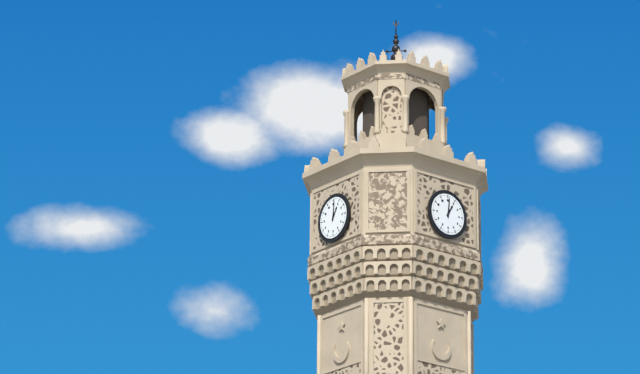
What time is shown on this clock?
1:01
